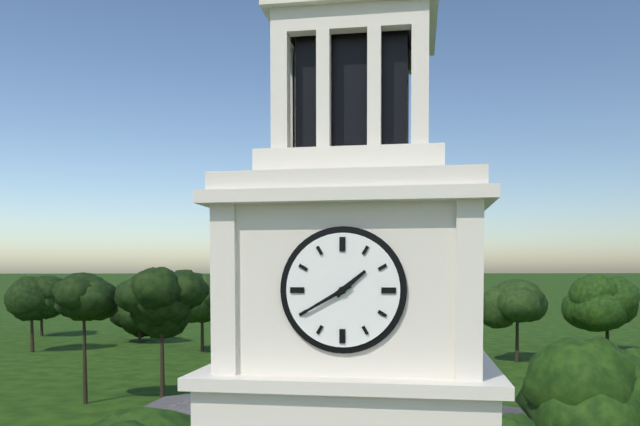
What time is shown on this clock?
1:40
